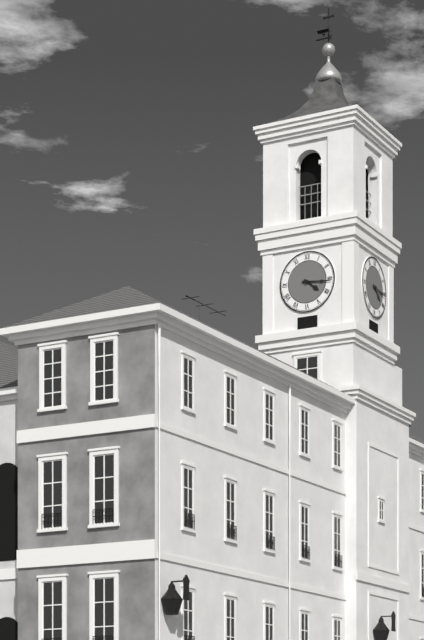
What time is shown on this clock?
4:16
